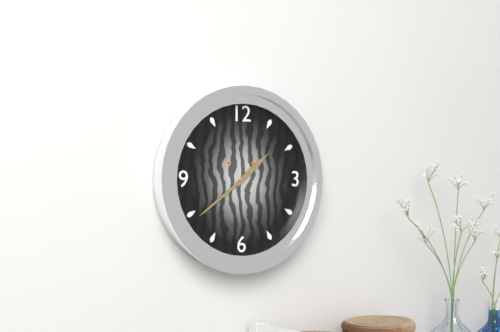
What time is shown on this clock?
1:39
